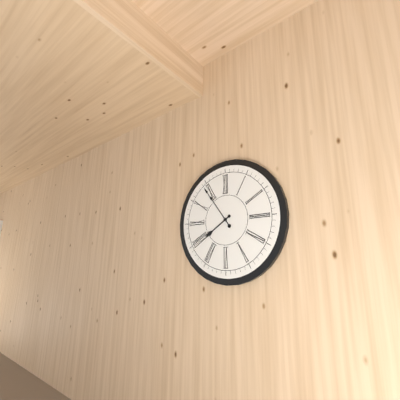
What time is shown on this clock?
7:54
